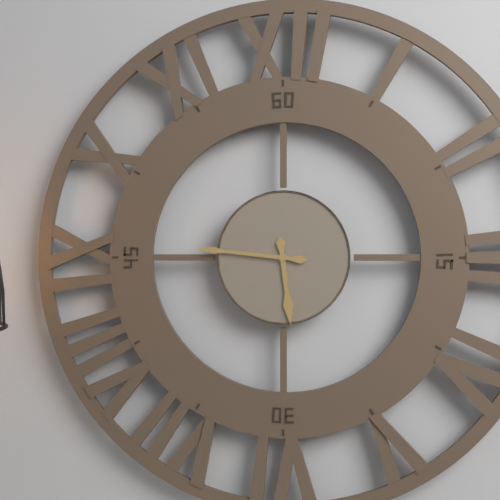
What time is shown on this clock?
5:46
